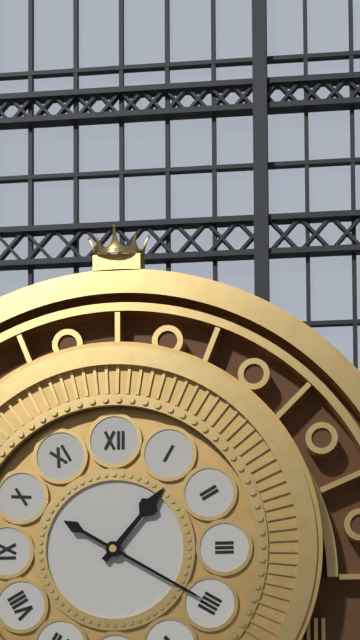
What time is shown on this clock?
1:20
